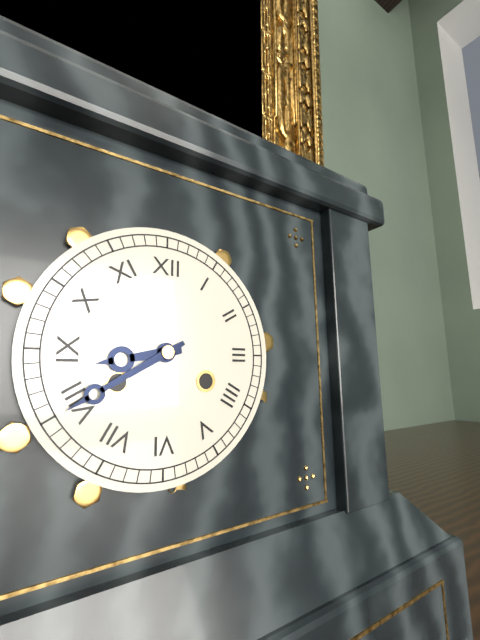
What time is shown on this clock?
8:40
